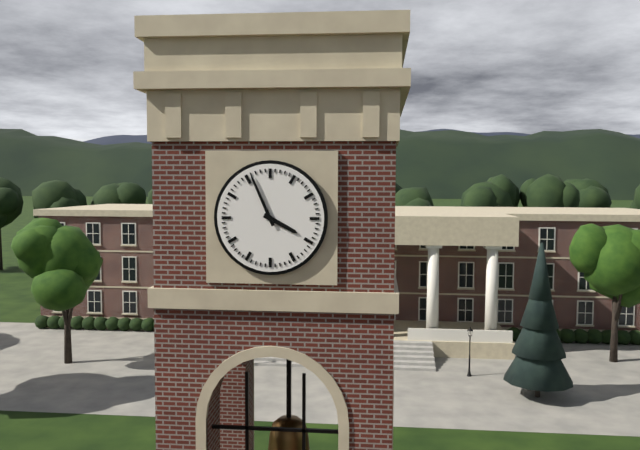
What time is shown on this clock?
3:56
